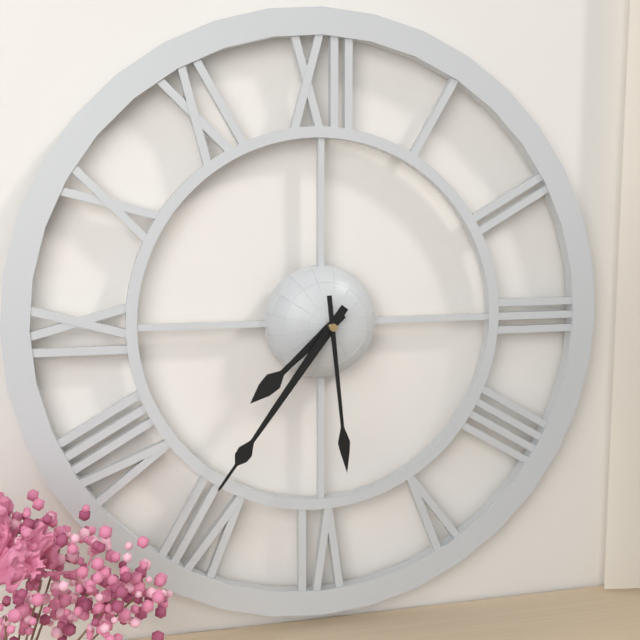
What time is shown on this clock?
7:36:29
